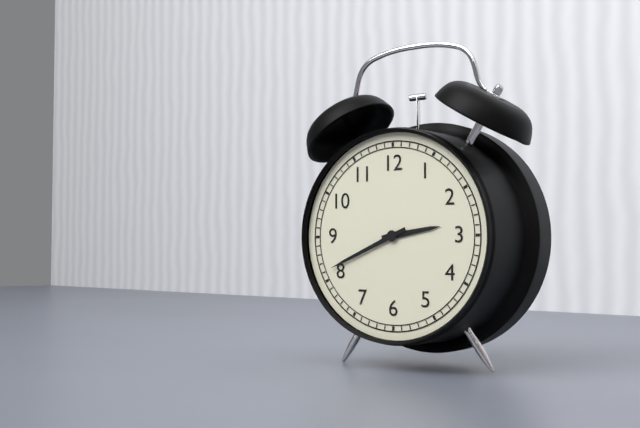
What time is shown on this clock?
2:41
